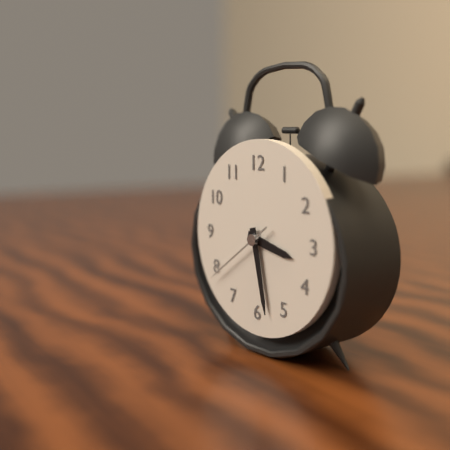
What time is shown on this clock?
3:28:39
